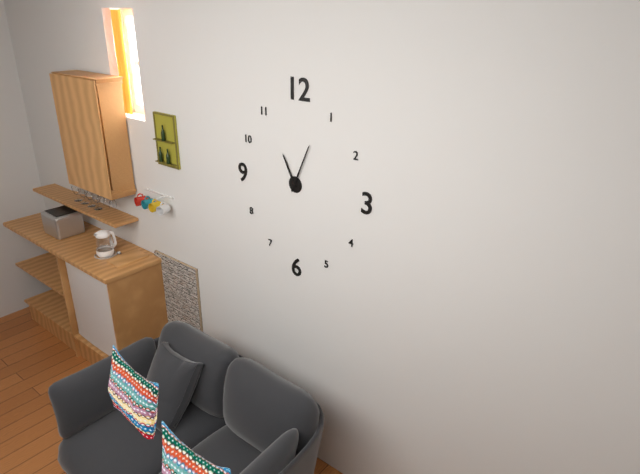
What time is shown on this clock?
11:04
